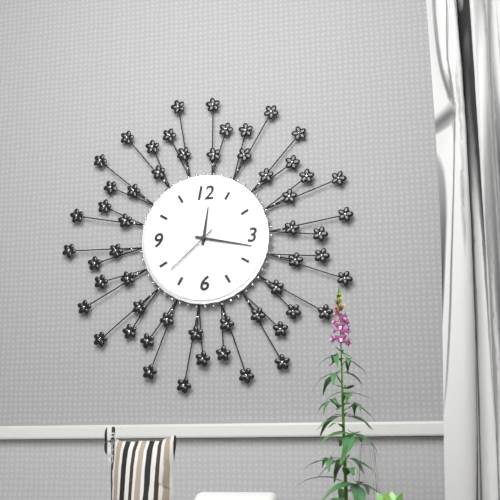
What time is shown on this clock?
12:17:38
